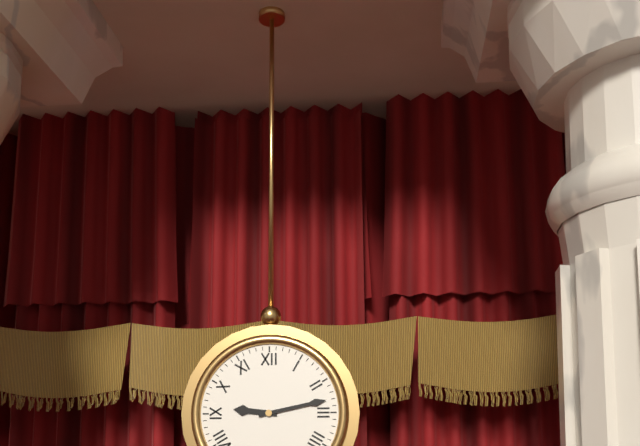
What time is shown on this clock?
9:13
